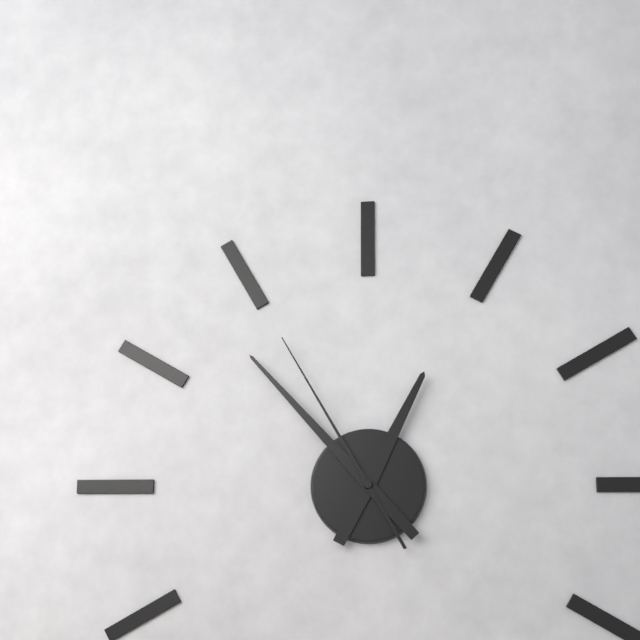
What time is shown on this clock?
12:53:55
